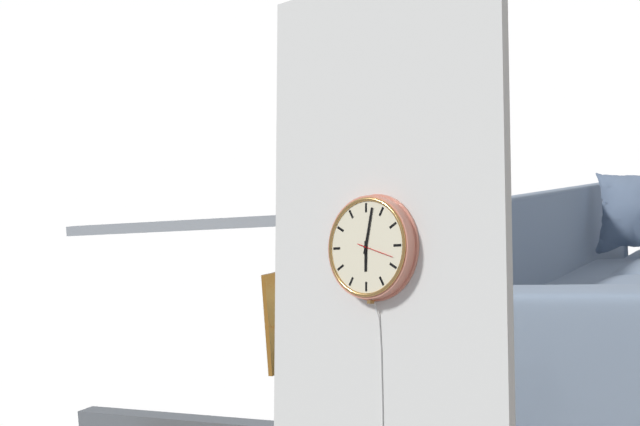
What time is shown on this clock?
6:02
